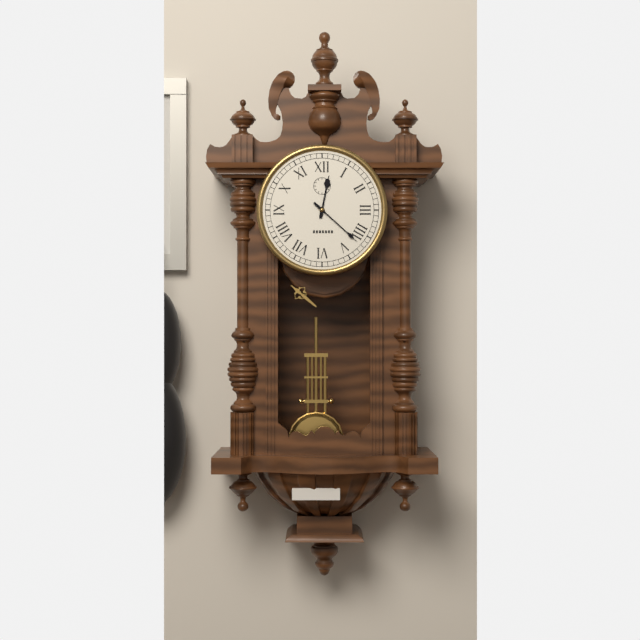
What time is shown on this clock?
12:22
